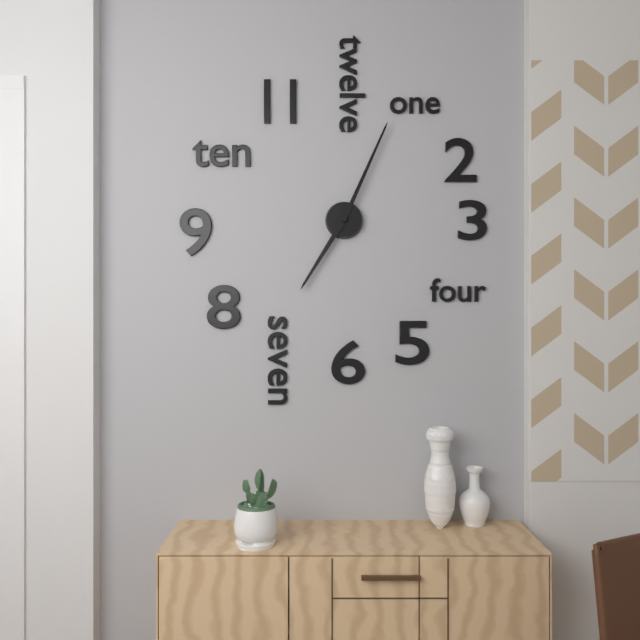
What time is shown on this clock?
7:04
